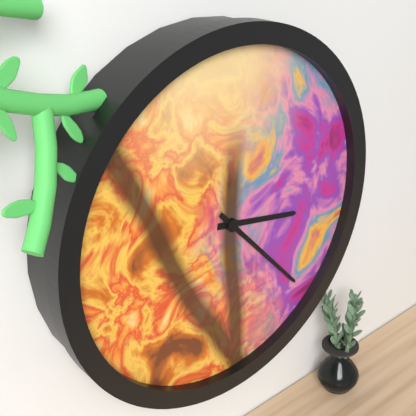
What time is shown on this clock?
3:23
